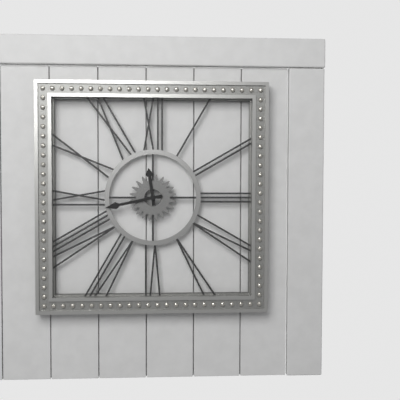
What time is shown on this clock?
11:43
